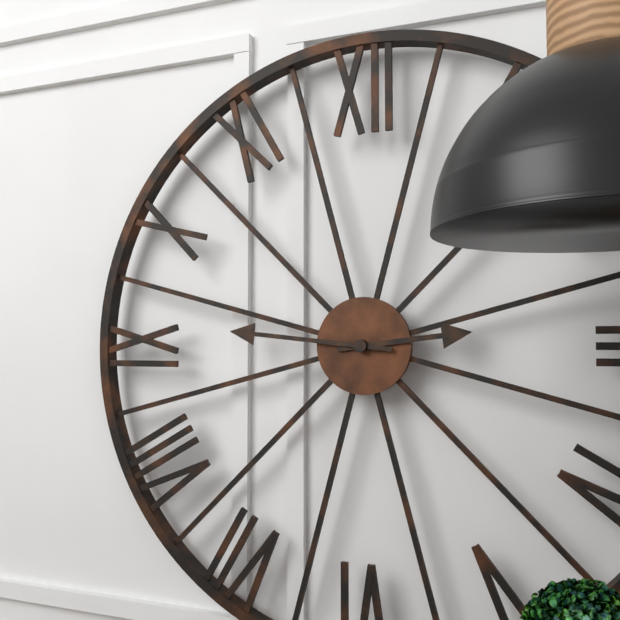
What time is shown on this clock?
2:46
